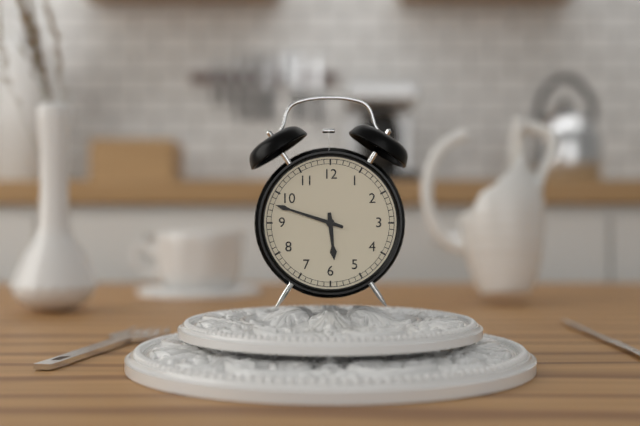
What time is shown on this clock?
5:48
